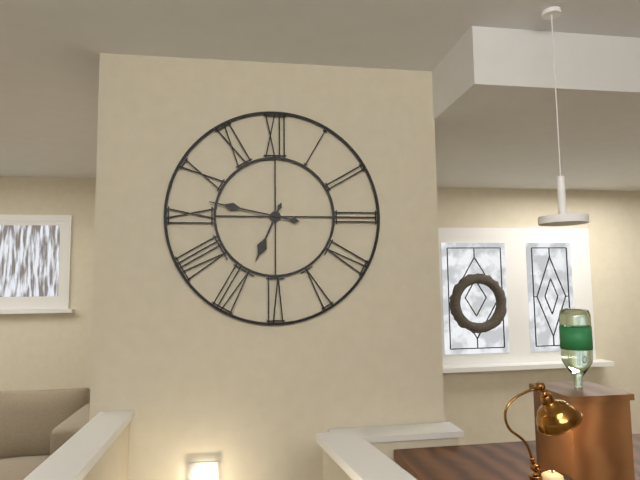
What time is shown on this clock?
6:47
